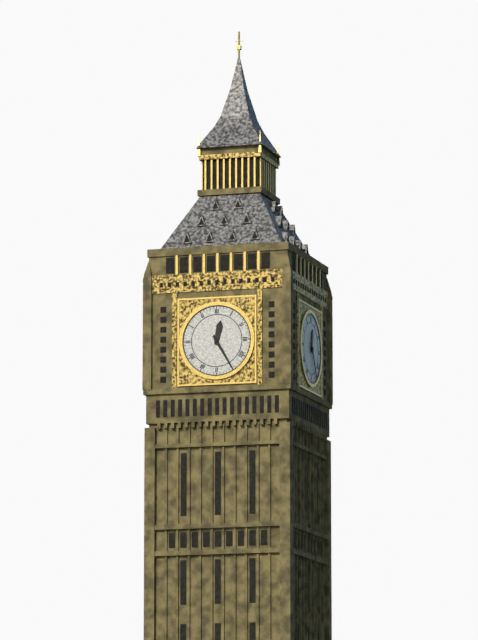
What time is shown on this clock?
12:25
